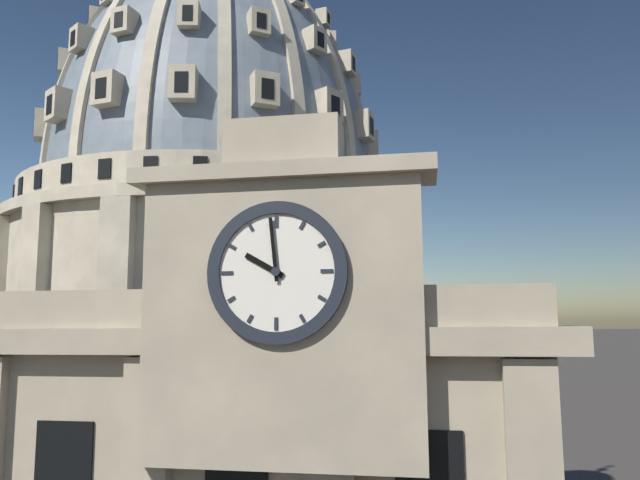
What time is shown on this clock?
9:59
